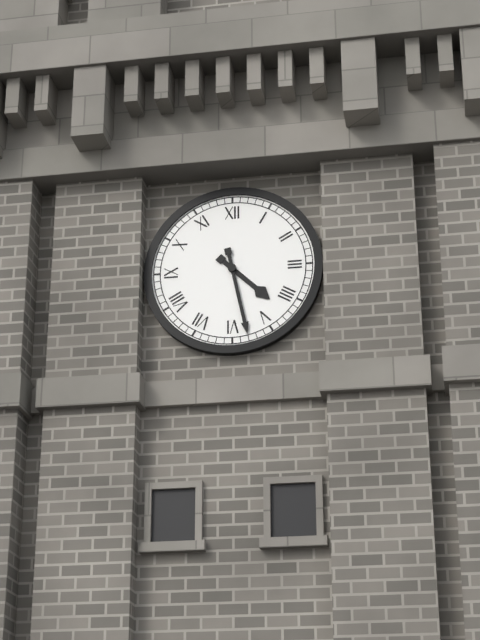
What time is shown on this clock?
4:28
